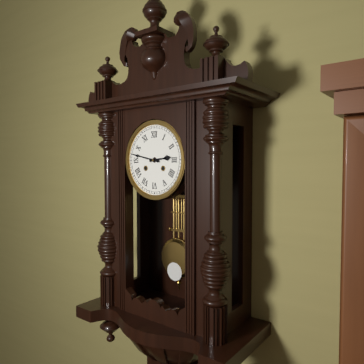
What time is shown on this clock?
2:47
